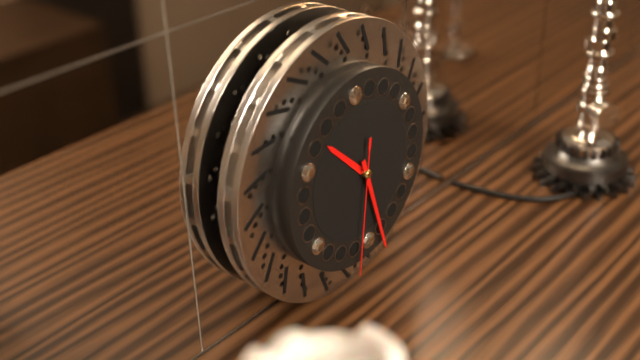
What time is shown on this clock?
10:27:31
